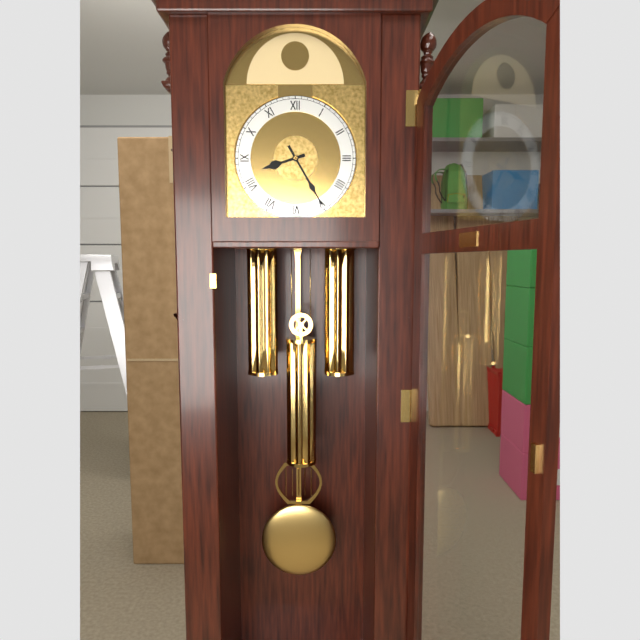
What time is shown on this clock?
8:25
